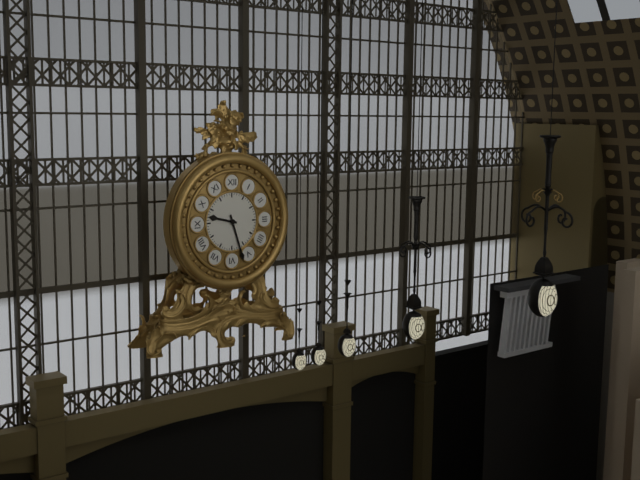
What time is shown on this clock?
9:27
